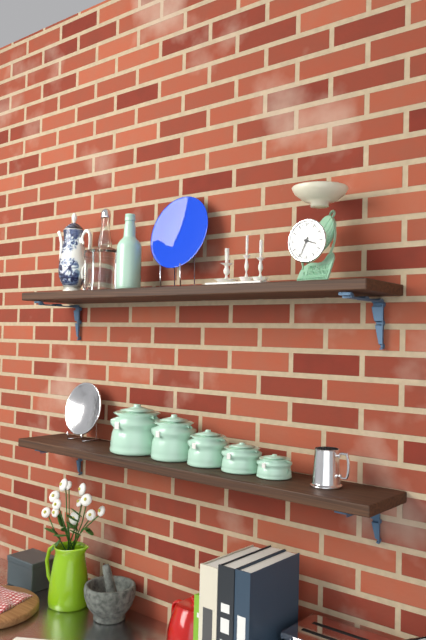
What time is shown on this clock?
3:34
